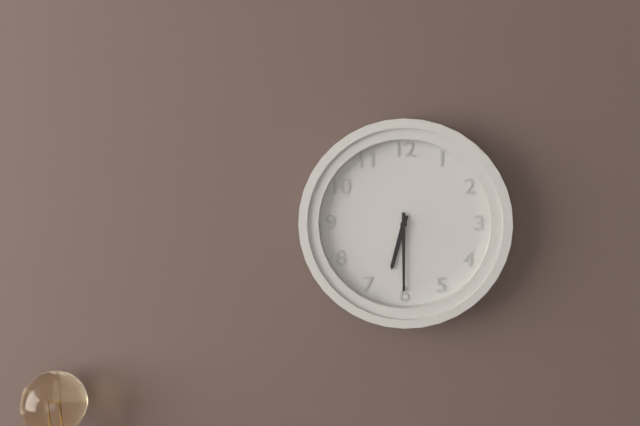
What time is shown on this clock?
6:30
